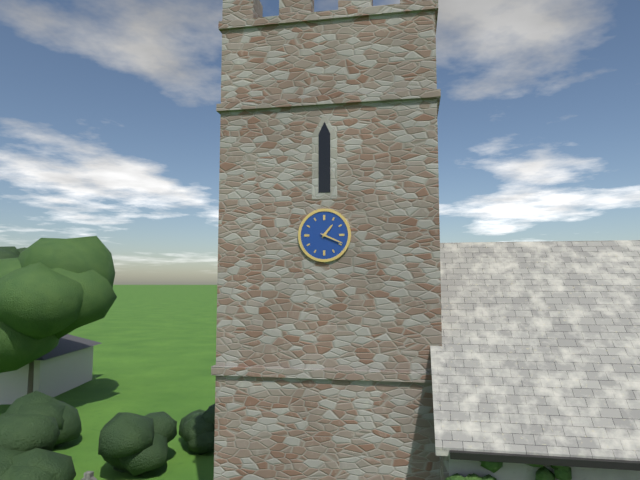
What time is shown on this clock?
1:19
